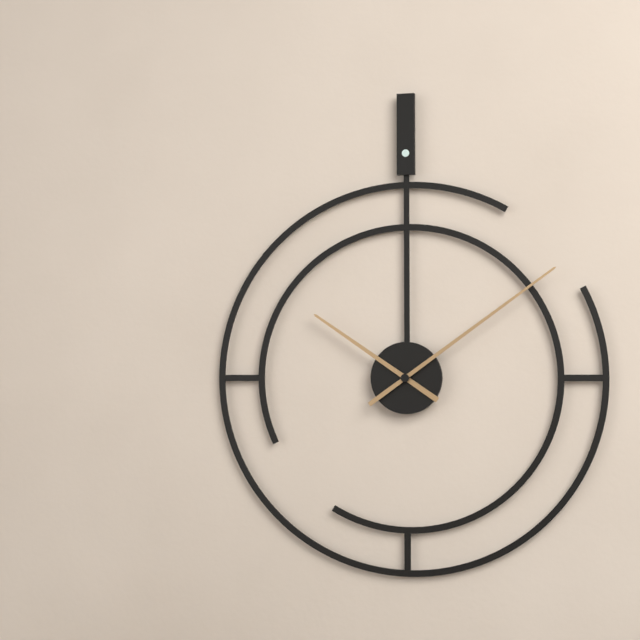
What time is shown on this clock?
10:09
